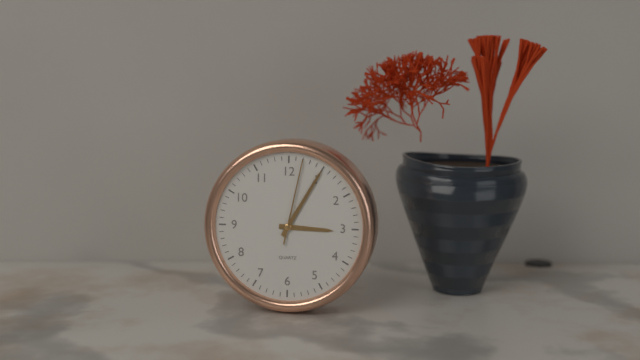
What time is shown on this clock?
3:05:02
